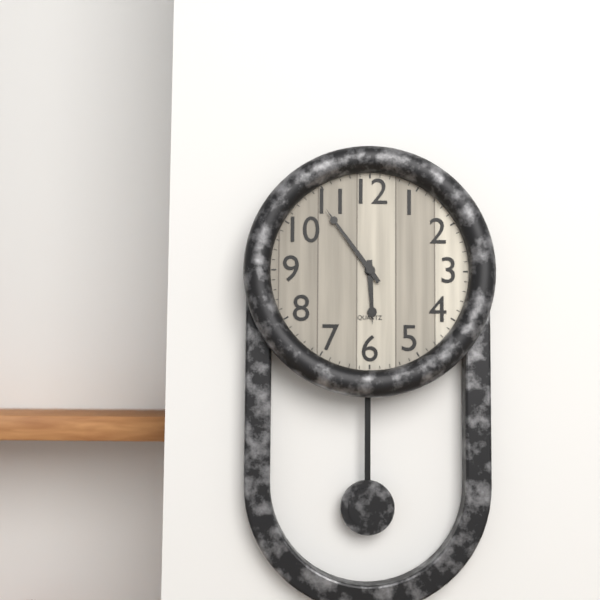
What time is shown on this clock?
5:54
